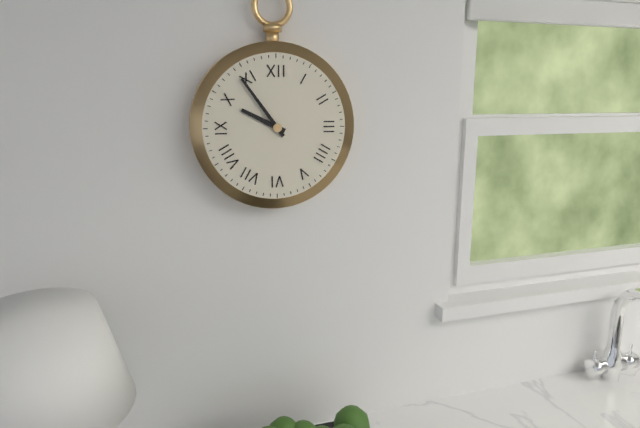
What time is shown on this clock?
9:54
